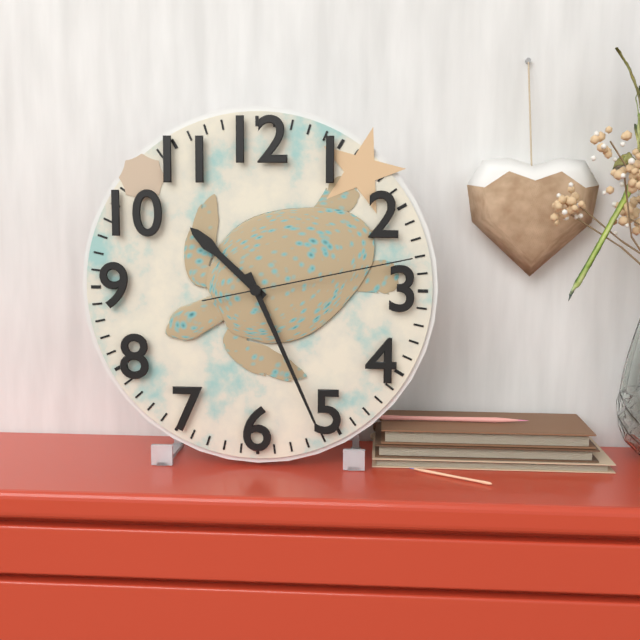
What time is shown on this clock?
10:26:13
